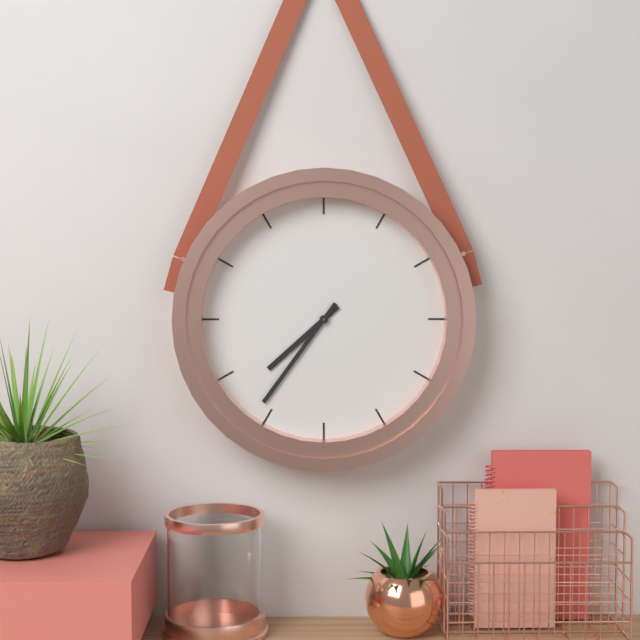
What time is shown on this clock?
7:36
